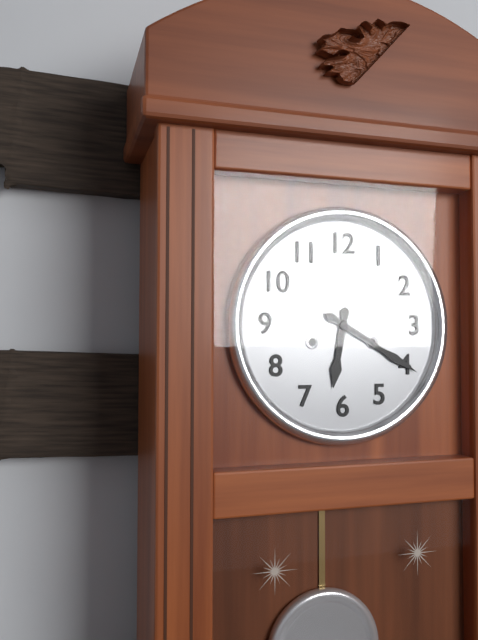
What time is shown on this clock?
6:20
